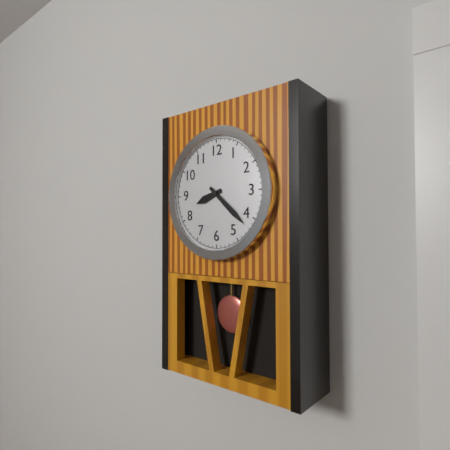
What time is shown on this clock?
8:22
